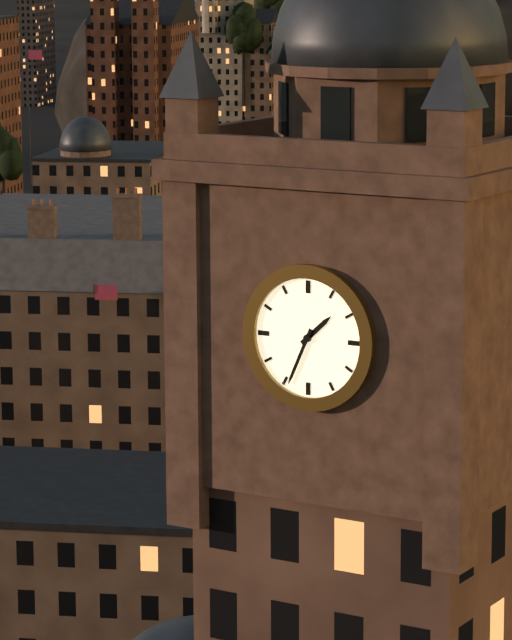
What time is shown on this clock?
1:34
